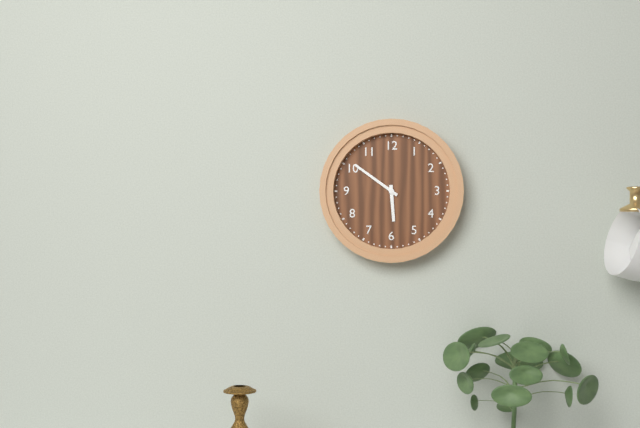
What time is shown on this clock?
5:51
